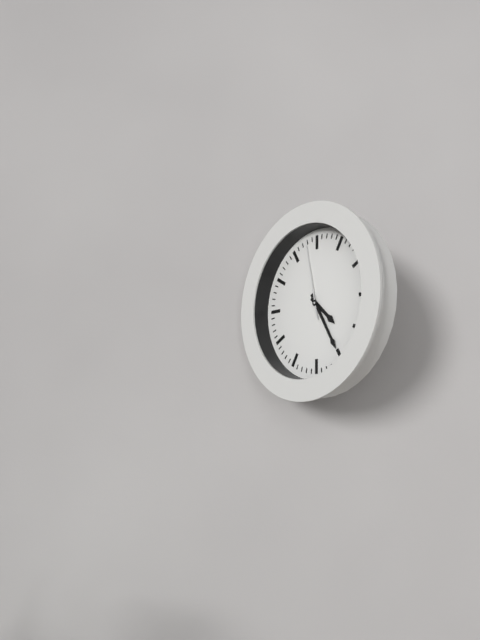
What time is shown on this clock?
4:25:58
